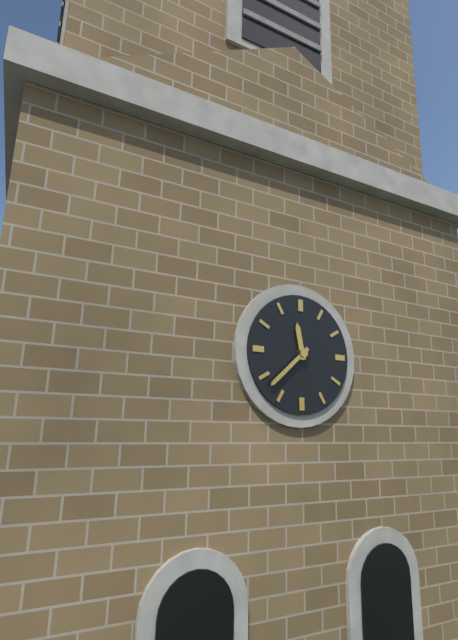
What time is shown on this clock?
11:38
